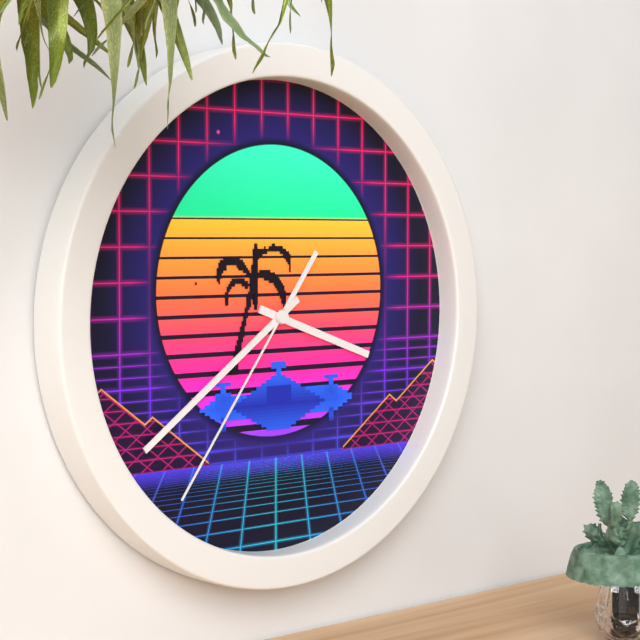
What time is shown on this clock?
3:39:36
